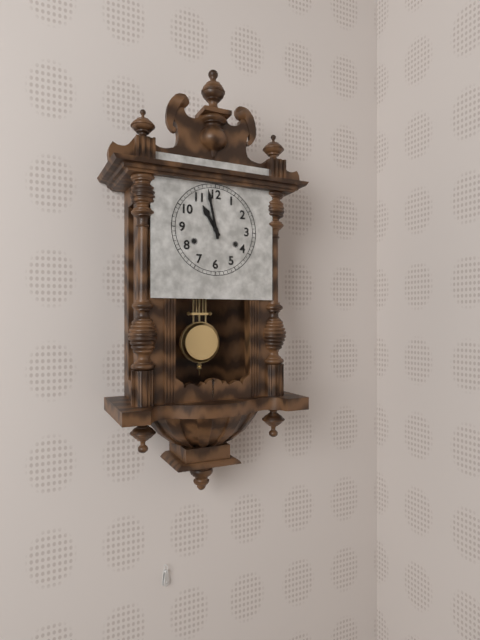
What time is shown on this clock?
10:58
